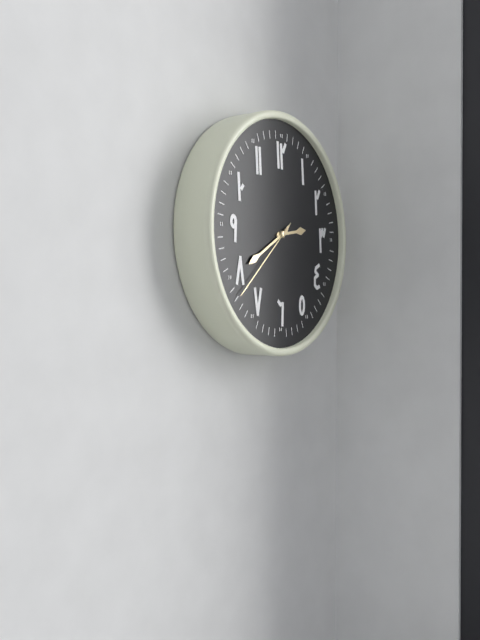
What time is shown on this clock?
2:40:38
